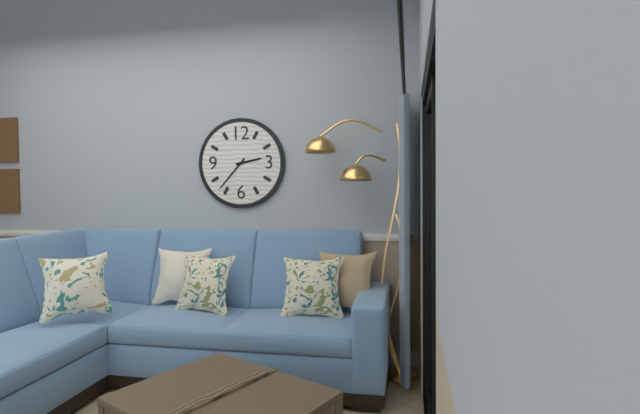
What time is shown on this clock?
2:37
